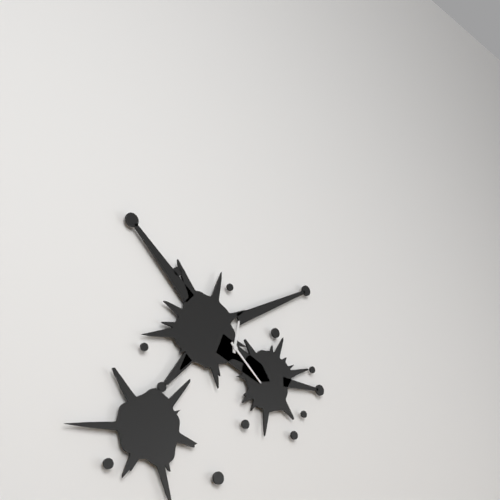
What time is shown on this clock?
12:22
